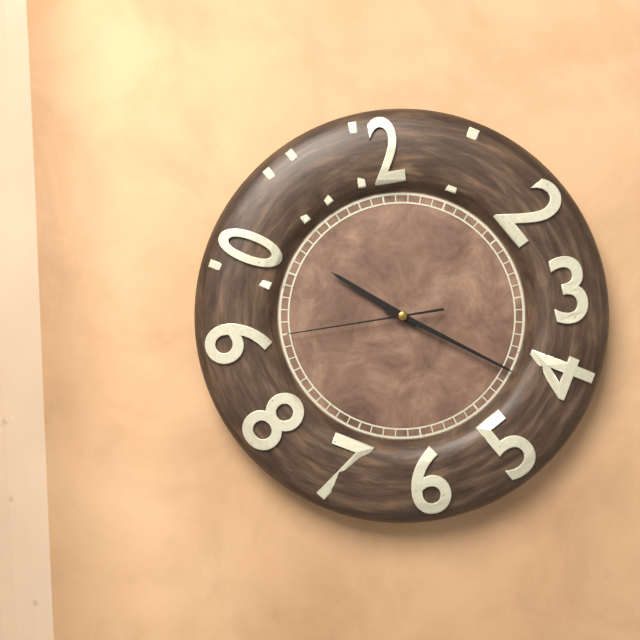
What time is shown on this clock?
10:21:45
